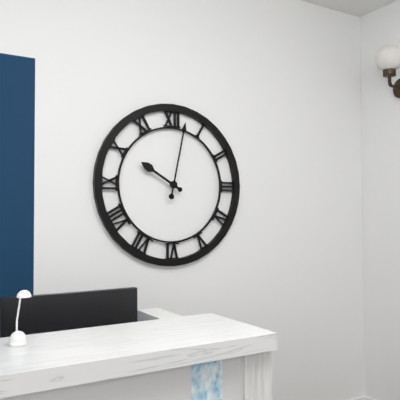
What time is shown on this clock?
10:02
